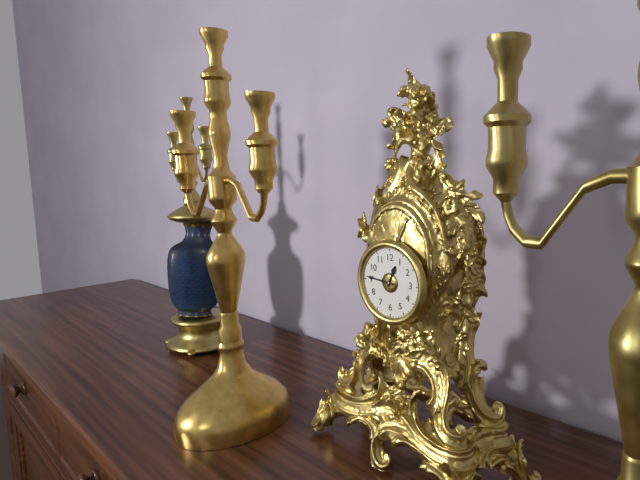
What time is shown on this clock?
12:46
